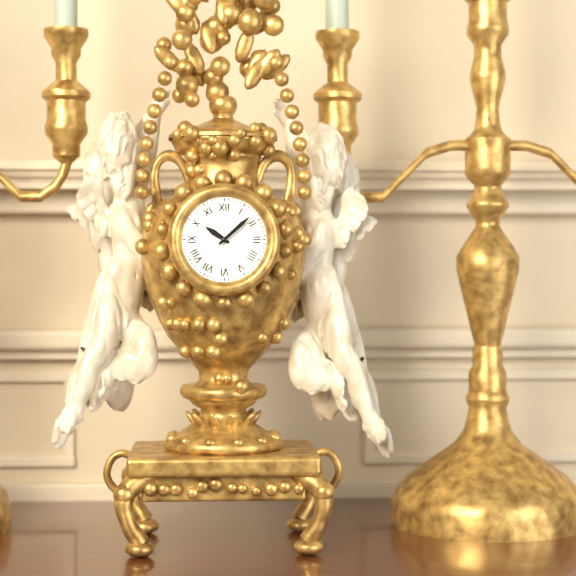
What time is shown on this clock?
10:08
